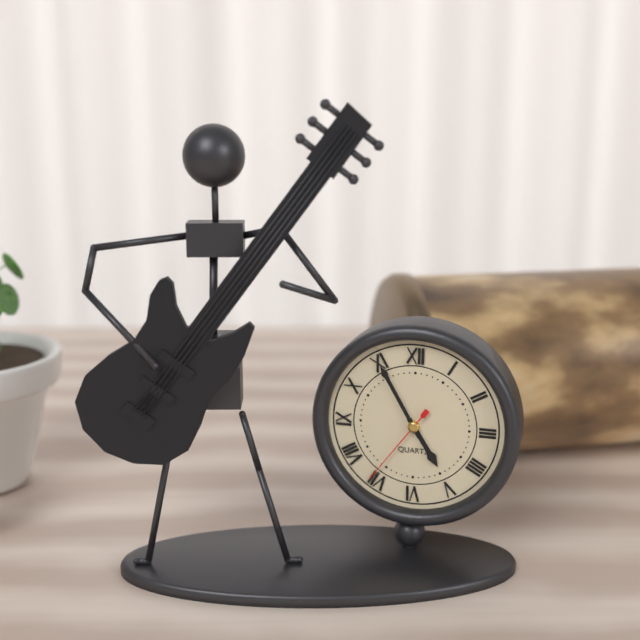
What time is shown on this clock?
4:55:36
